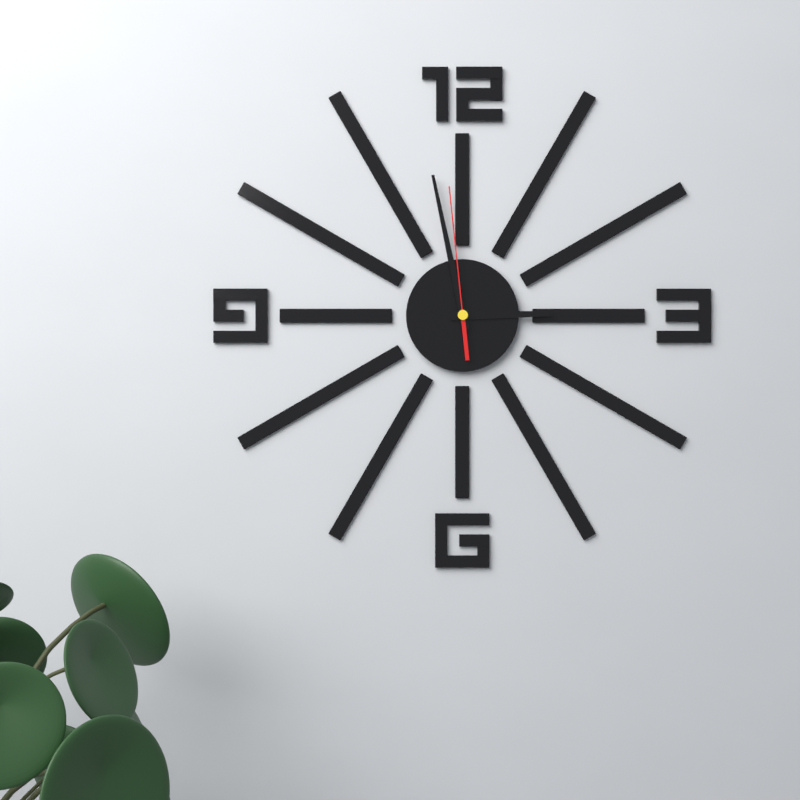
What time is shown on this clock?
2:58:59
